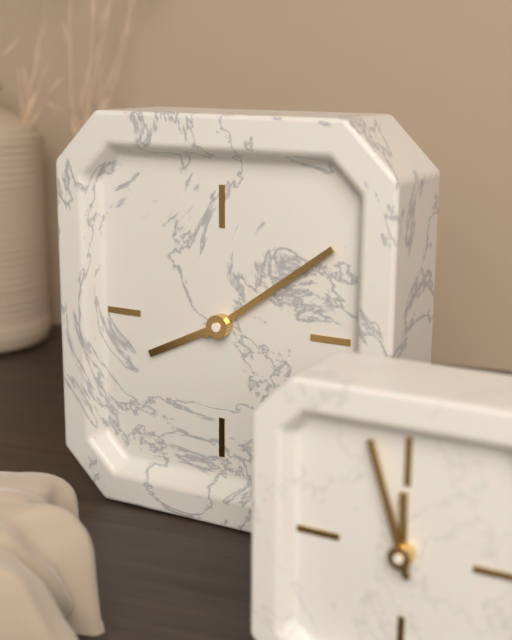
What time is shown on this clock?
8:09
